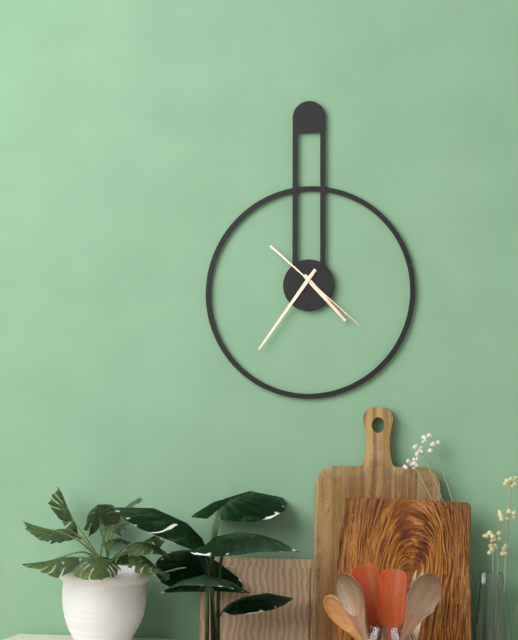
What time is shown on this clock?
4:36:22
